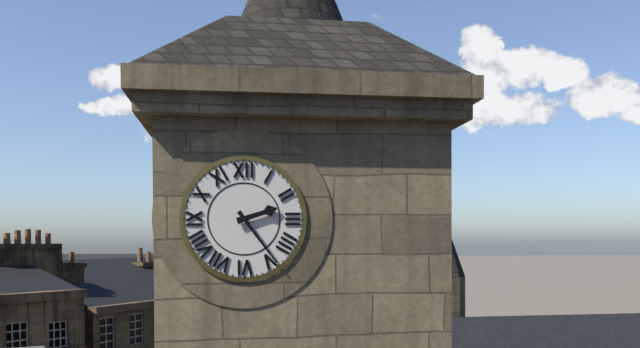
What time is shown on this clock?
2:24
